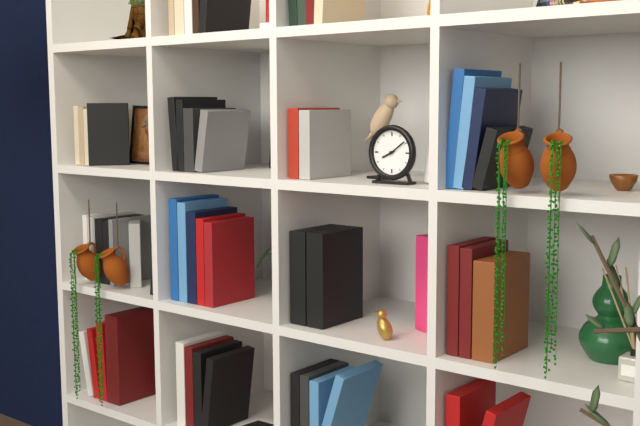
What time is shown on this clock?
8:09
